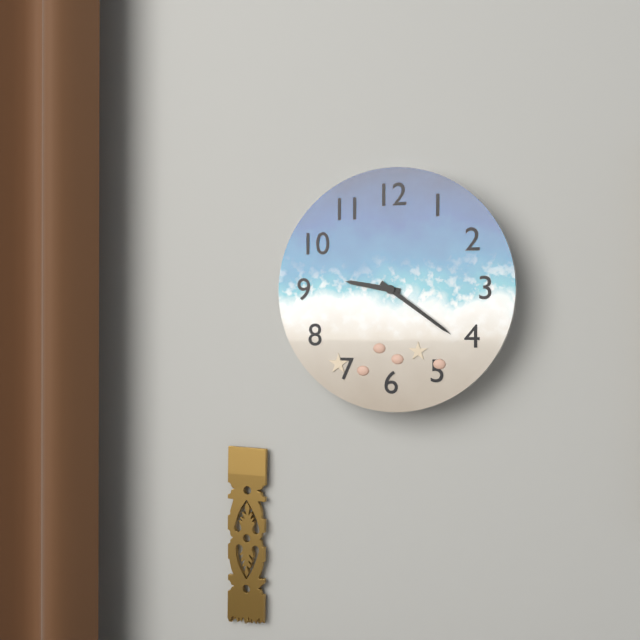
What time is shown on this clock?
9:21
